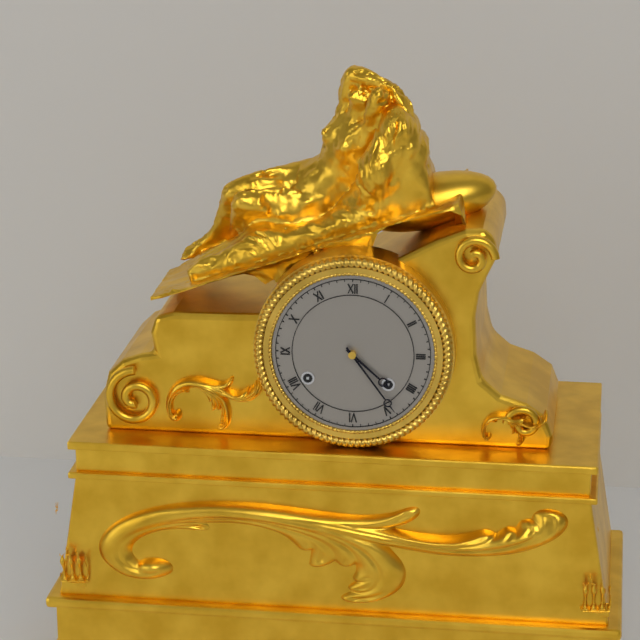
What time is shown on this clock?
4:24
